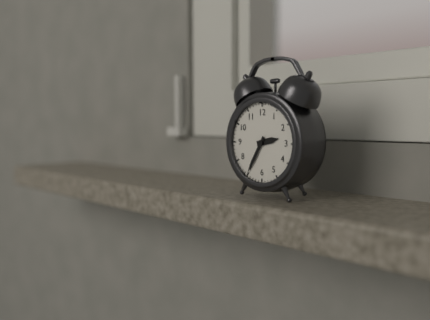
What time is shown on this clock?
2:35
